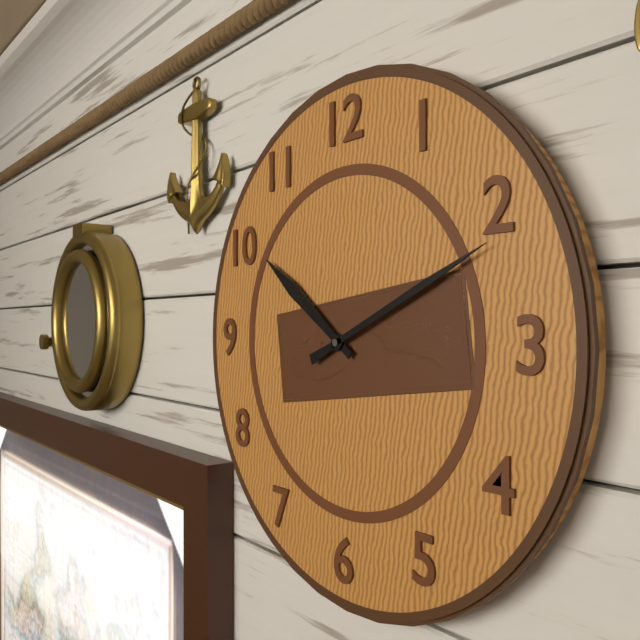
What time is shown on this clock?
10:11
